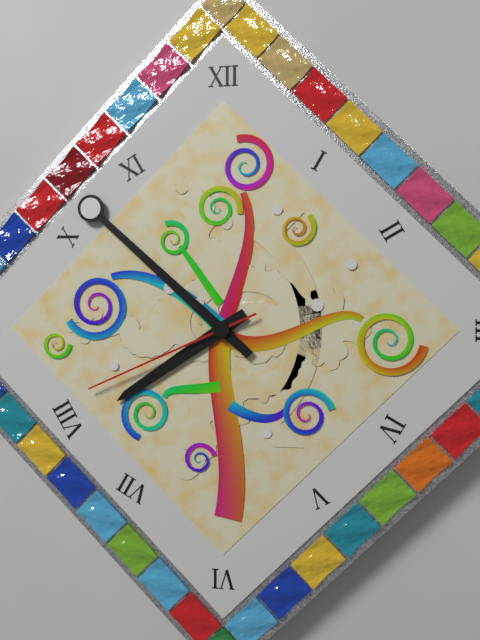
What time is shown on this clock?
7:52:41
